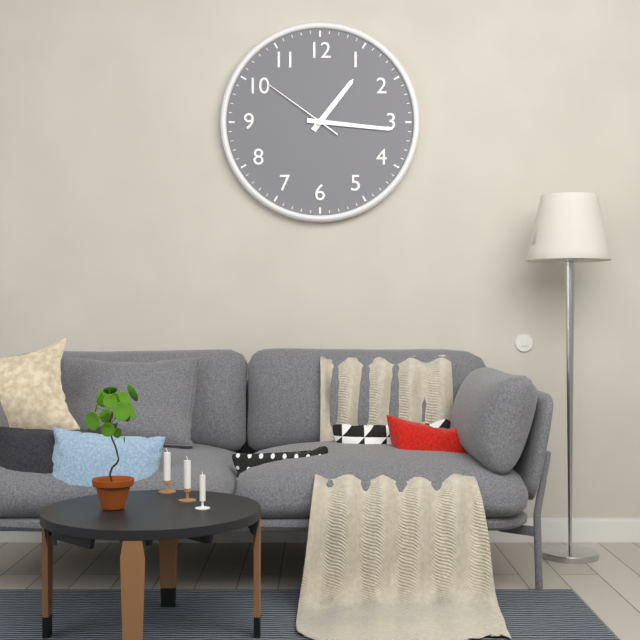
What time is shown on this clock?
1:16:51
